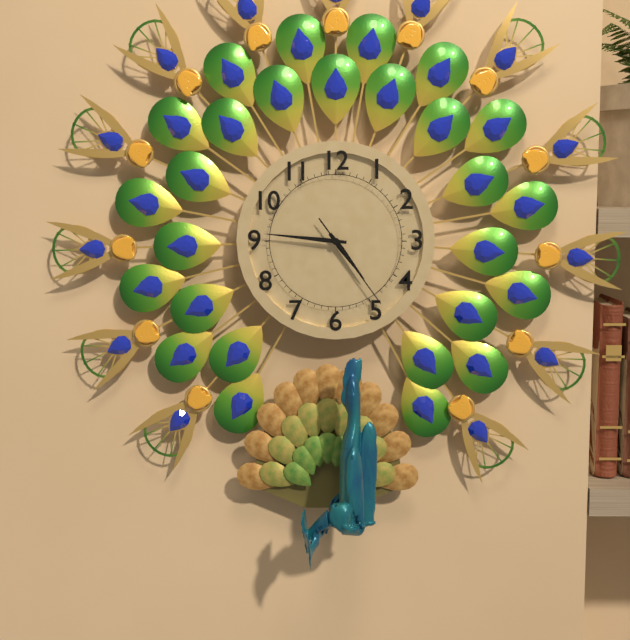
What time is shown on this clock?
4:46:24
